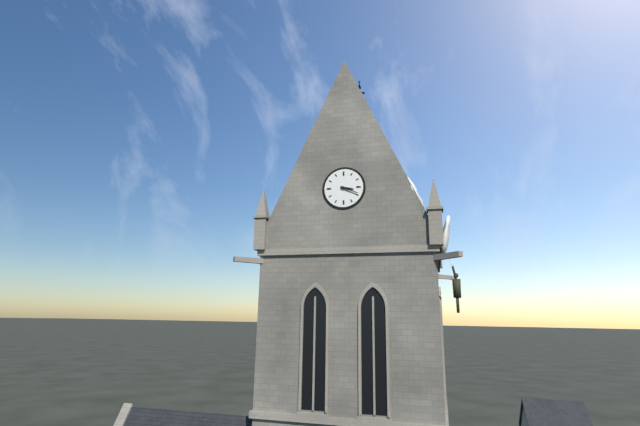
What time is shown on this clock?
3:19
